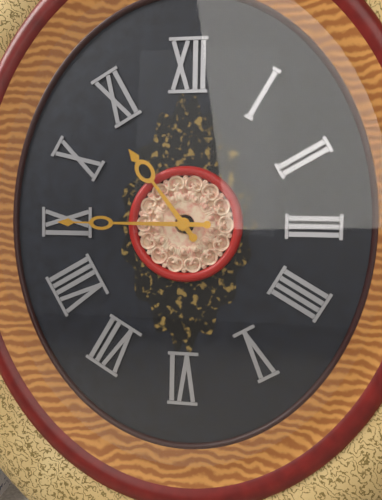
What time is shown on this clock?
10:45
